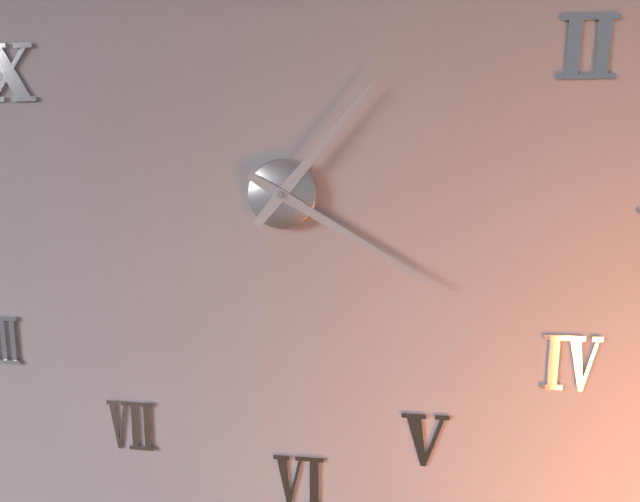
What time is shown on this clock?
1:20
